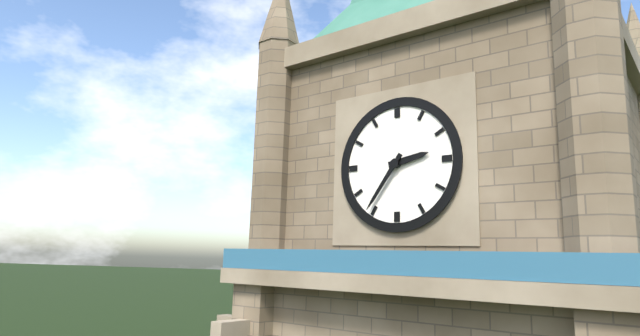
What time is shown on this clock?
2:36
